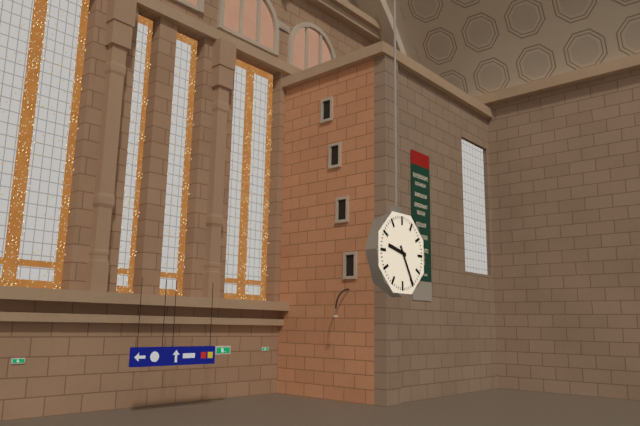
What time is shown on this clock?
9:25
